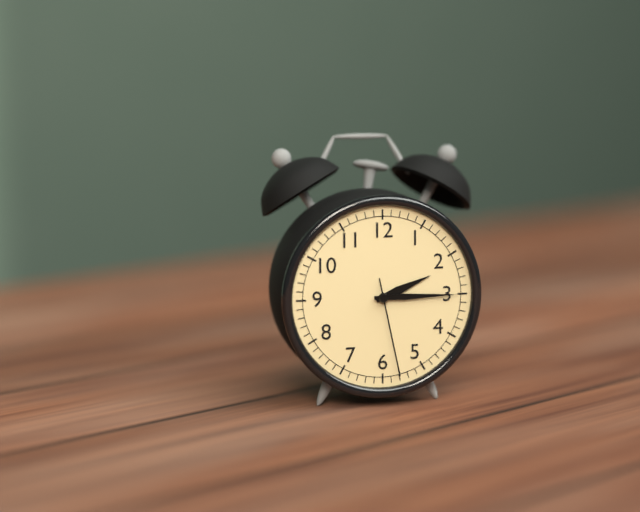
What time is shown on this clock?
2:15:28
